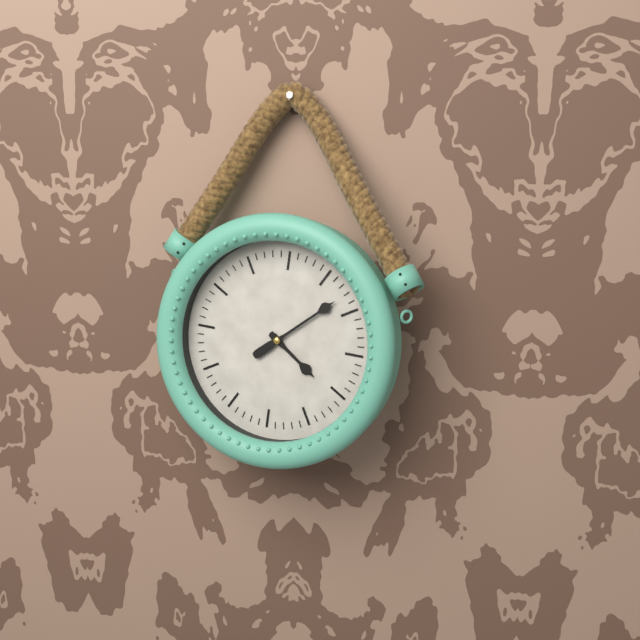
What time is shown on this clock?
4:08
